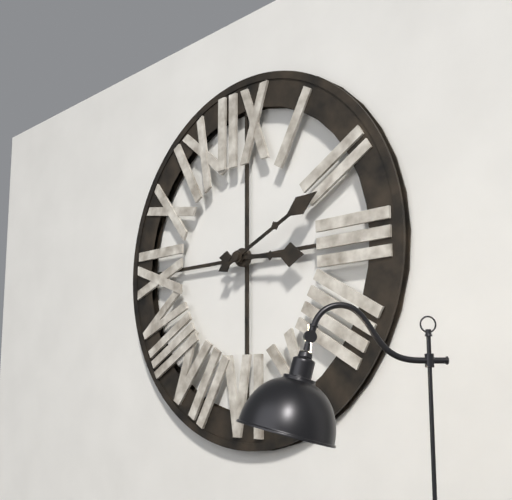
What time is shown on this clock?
3:11
